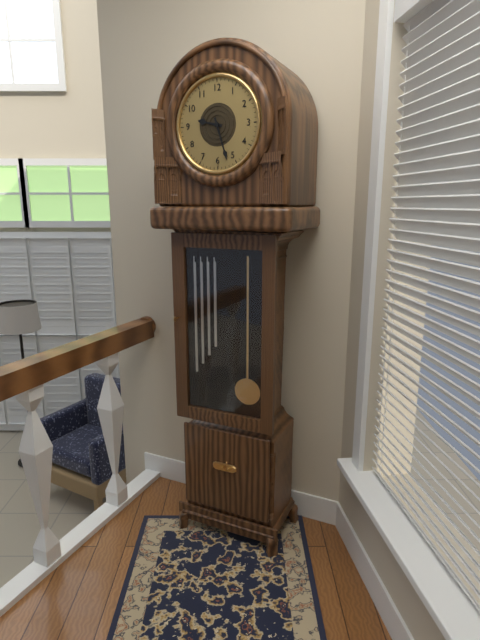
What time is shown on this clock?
9:27
